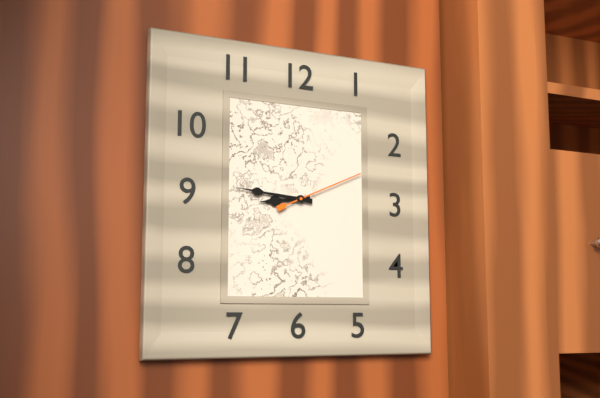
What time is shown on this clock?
8:46:11
